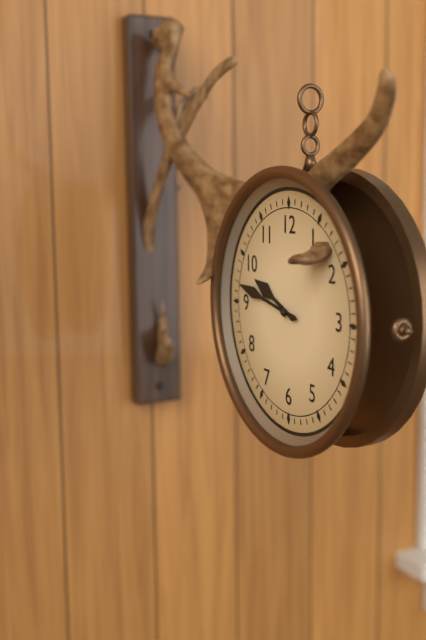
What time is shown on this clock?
9:47
